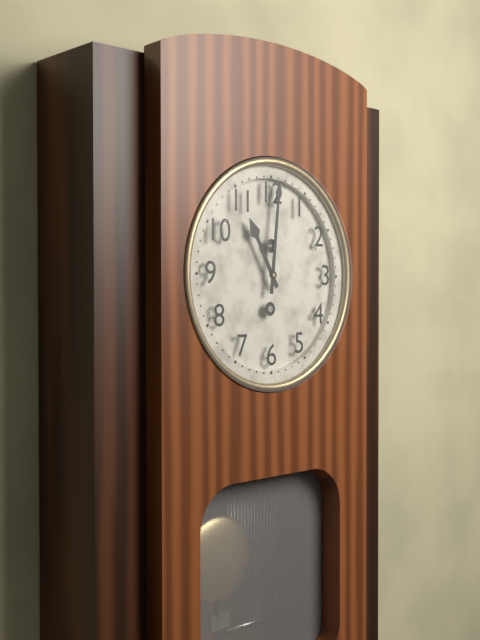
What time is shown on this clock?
11:01
